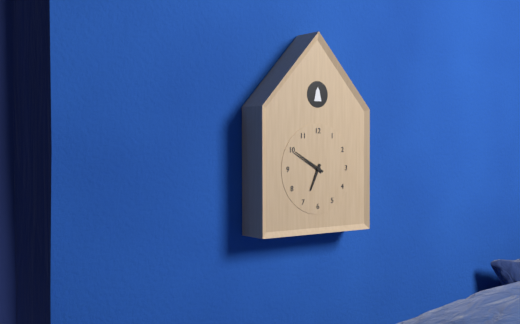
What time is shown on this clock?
6:50
